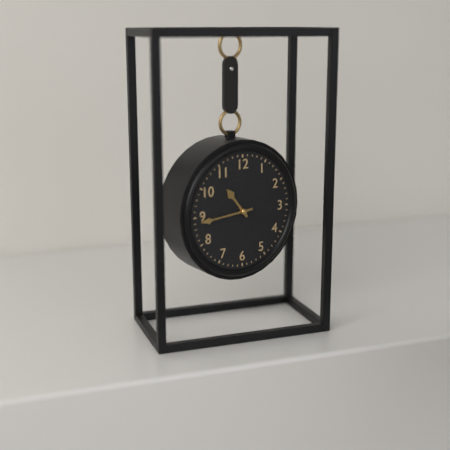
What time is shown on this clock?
10:44
